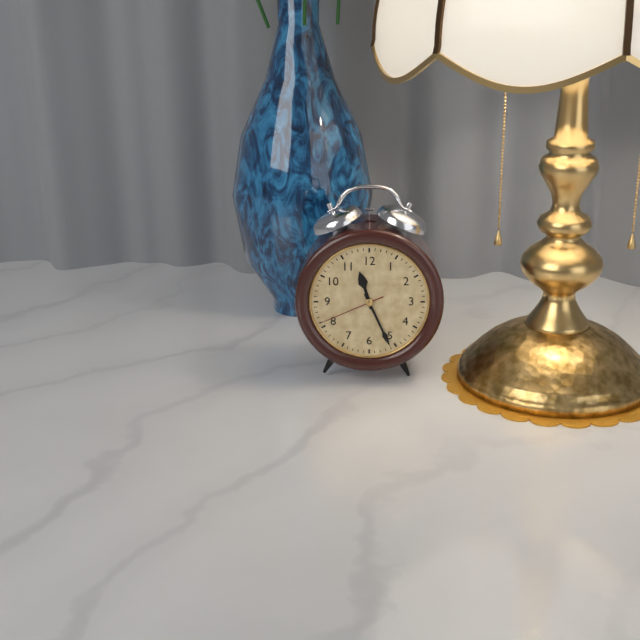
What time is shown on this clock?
11:26:41
